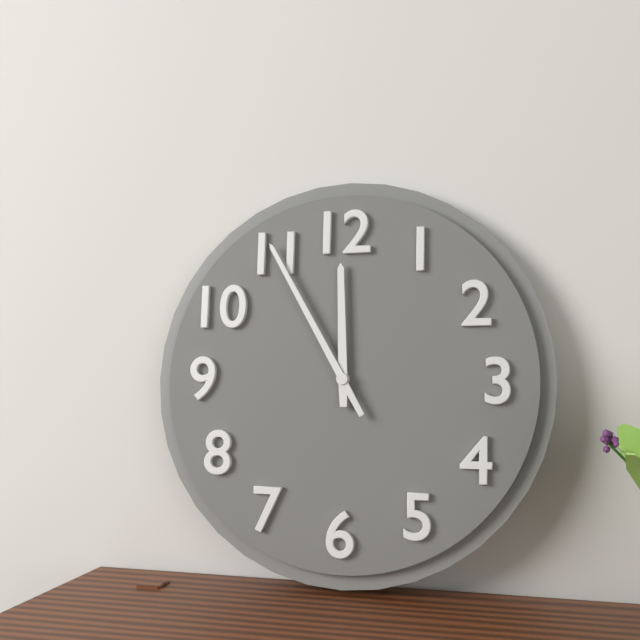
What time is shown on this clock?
11:55
